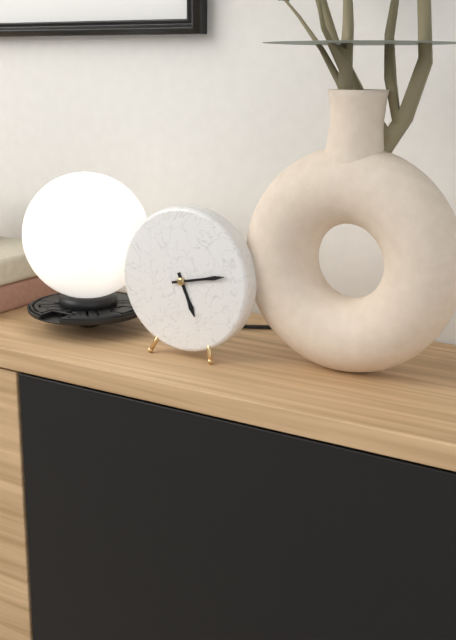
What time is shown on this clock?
5:13
